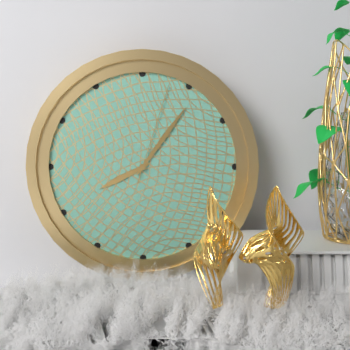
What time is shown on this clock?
8:06:03
